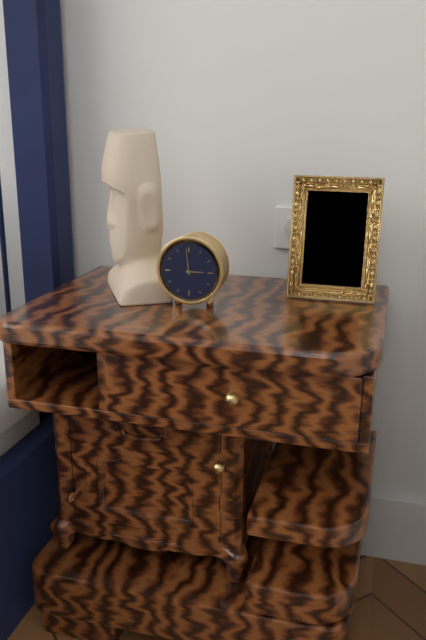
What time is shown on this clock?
2:59
